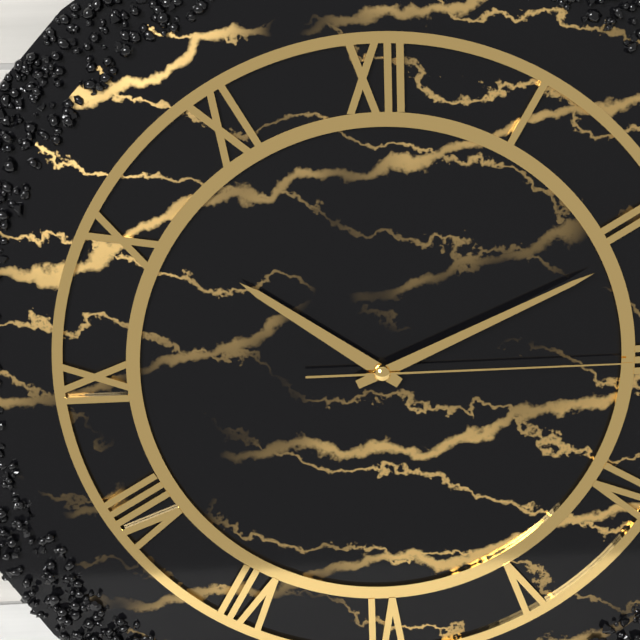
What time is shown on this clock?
10:11:15
